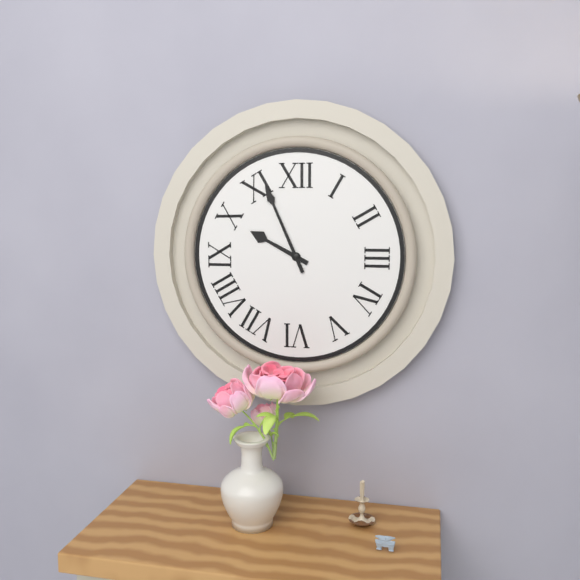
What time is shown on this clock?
9:56
